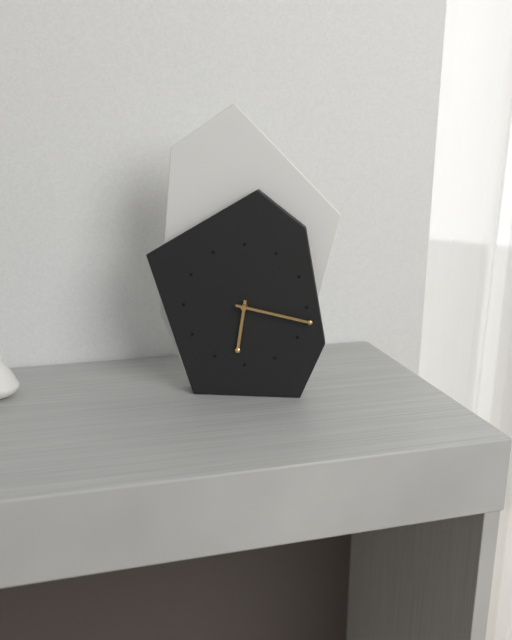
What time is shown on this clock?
6:17
